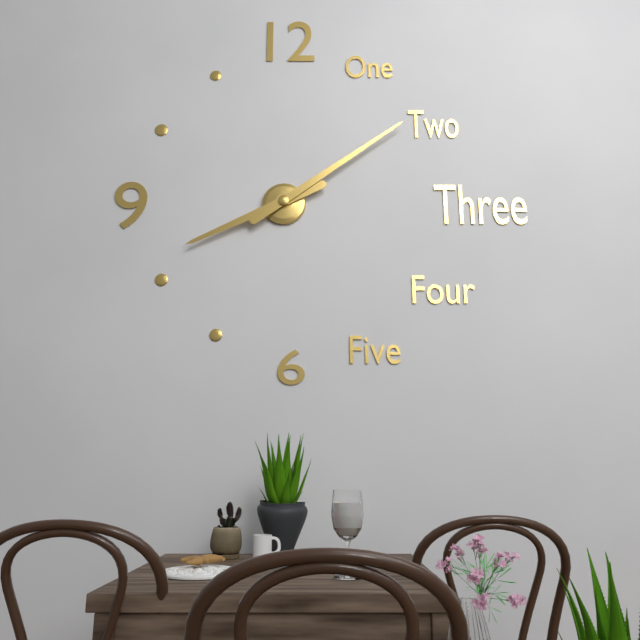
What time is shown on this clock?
8:09
